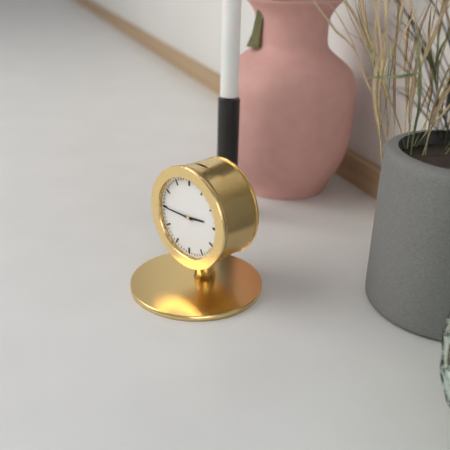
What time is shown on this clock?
2:45
